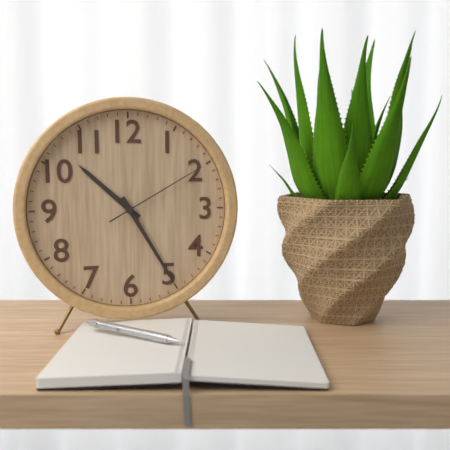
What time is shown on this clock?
10:25:10
